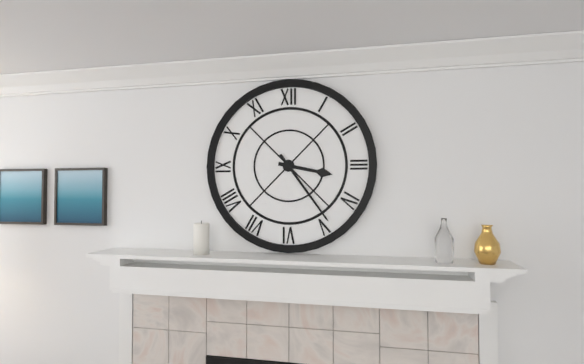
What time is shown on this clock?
3:24
